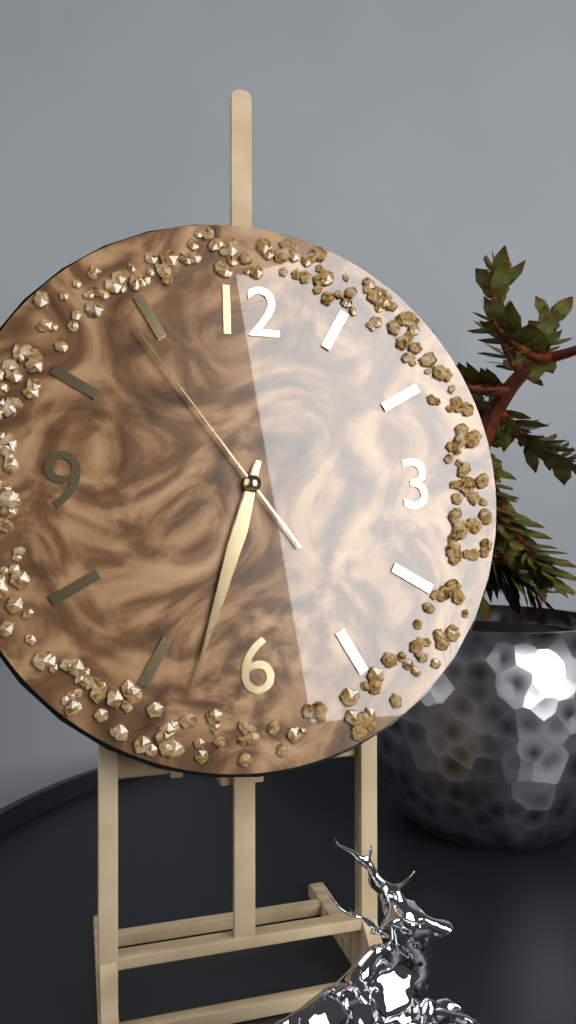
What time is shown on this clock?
6:33:54
